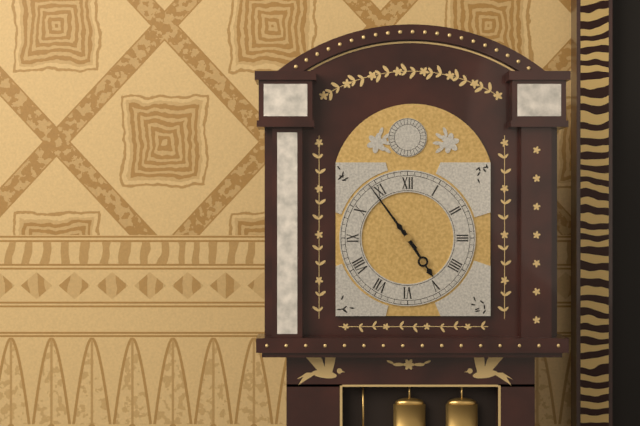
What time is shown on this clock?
4:54
